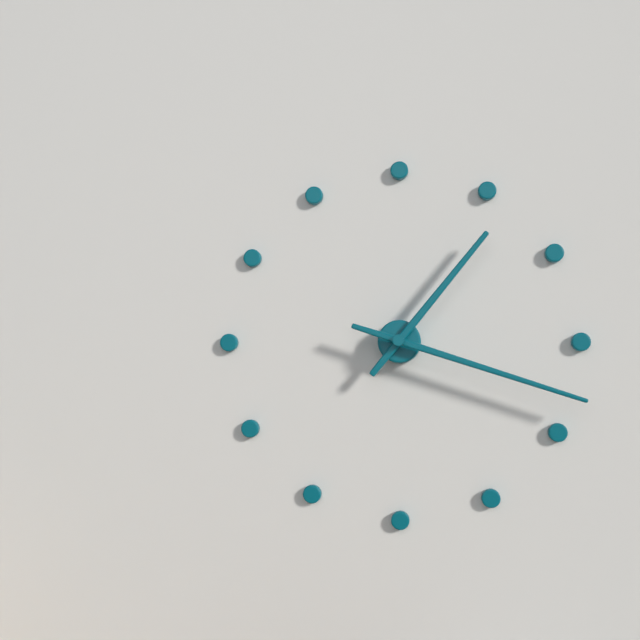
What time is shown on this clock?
1:18
